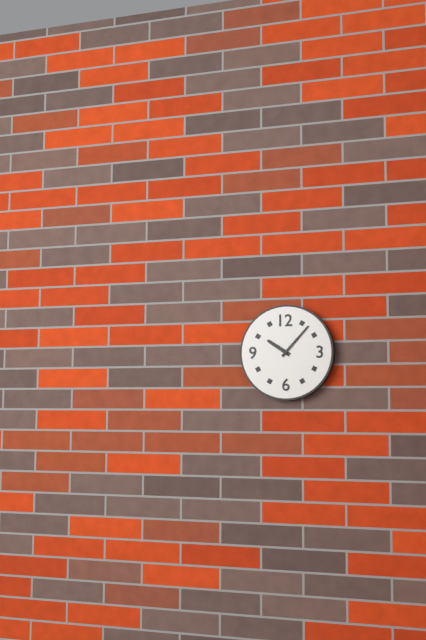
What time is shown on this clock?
10:07
